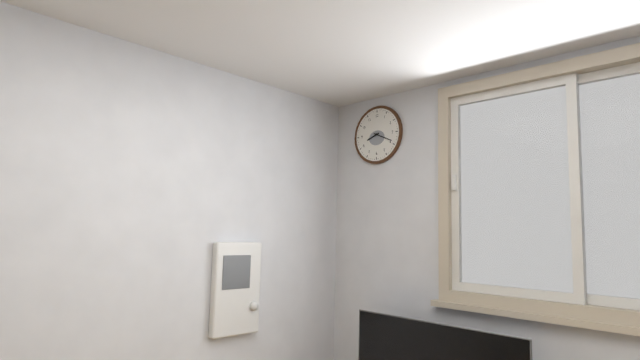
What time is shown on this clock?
8:19
